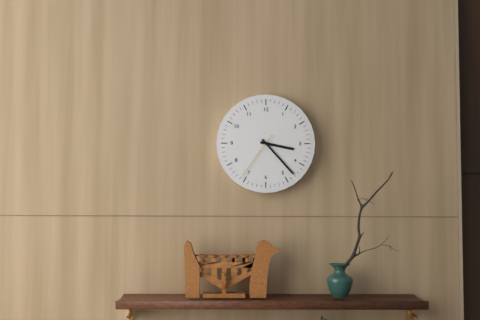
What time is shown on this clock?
3:23
